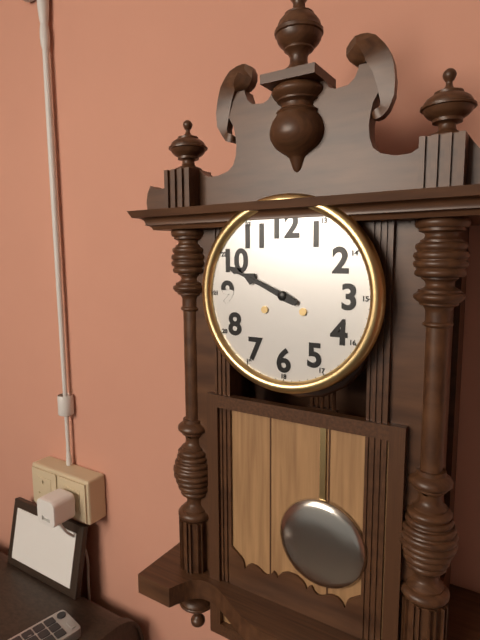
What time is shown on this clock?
9:49
